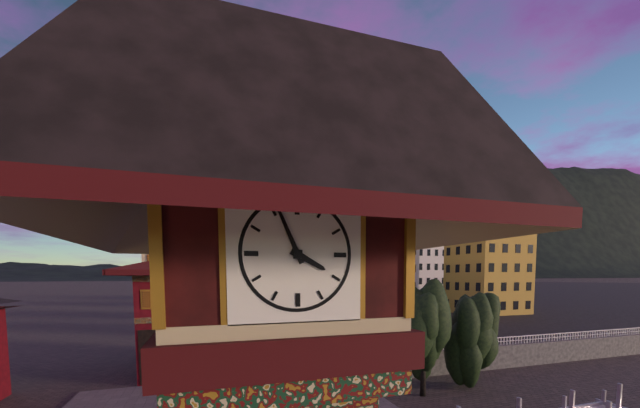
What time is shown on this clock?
3:56
